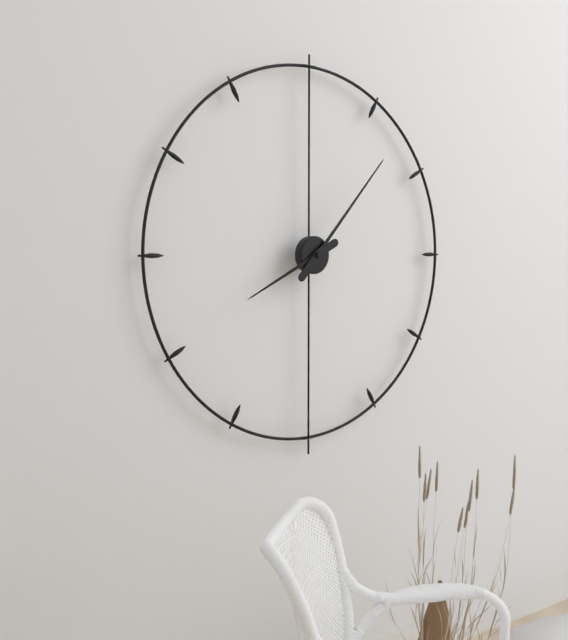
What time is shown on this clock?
8:07
